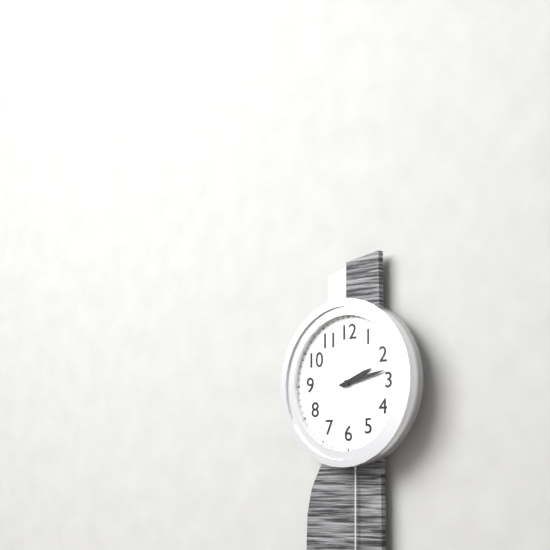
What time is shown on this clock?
2:13
